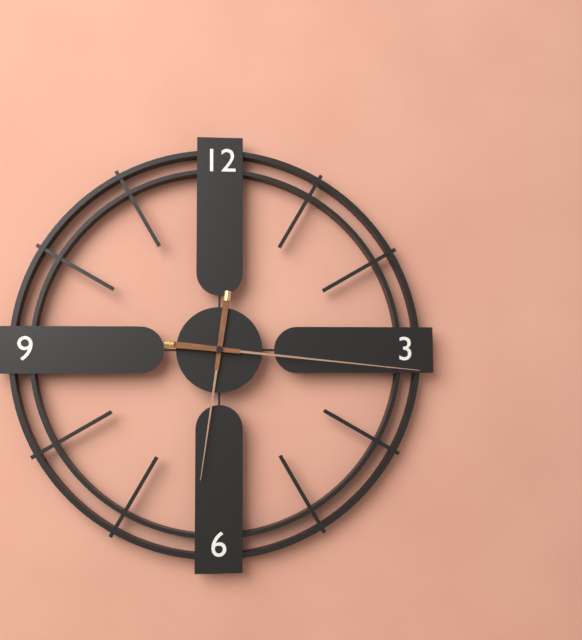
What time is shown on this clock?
6:16
